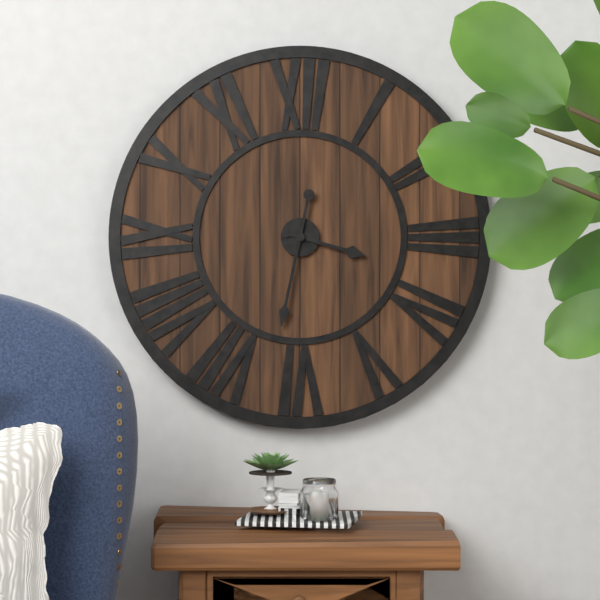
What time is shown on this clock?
3:32
